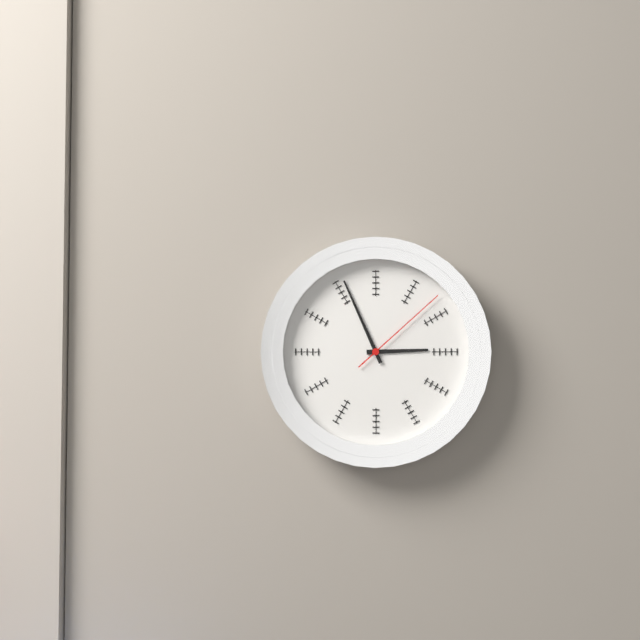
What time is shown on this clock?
2:56:08
